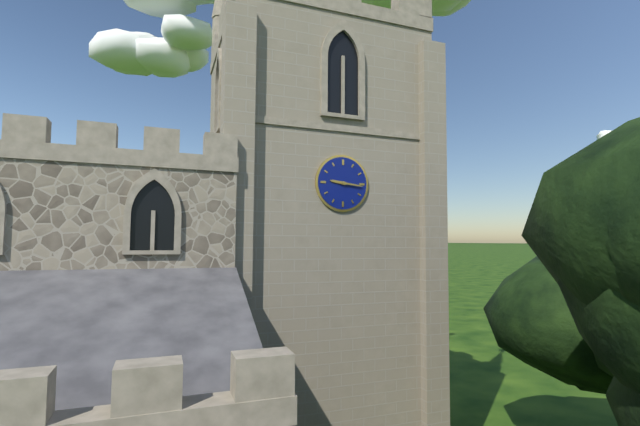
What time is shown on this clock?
9:16
